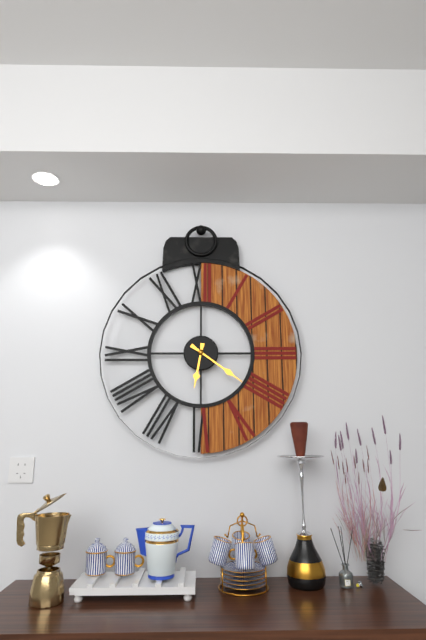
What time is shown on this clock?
6:21
